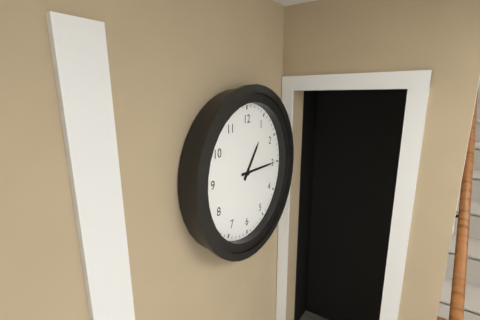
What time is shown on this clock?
1:15
